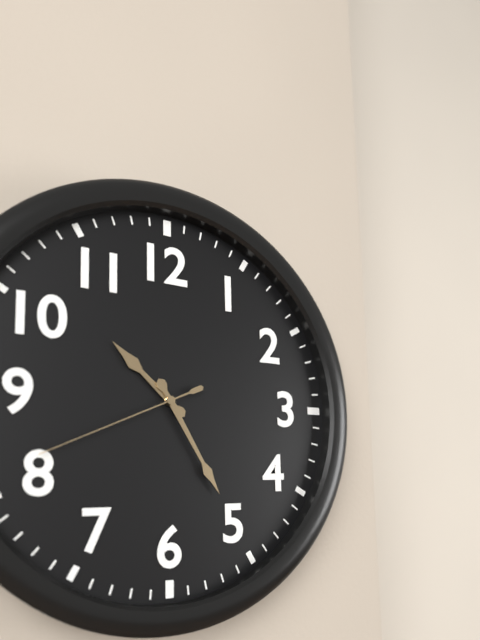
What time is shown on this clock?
10:25:41
